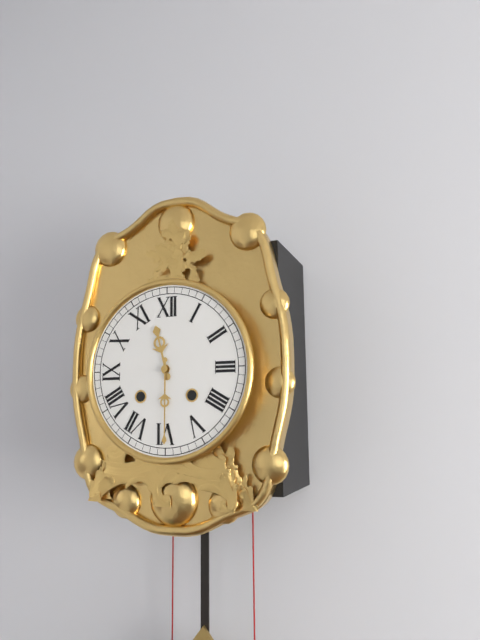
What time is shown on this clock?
11:30
